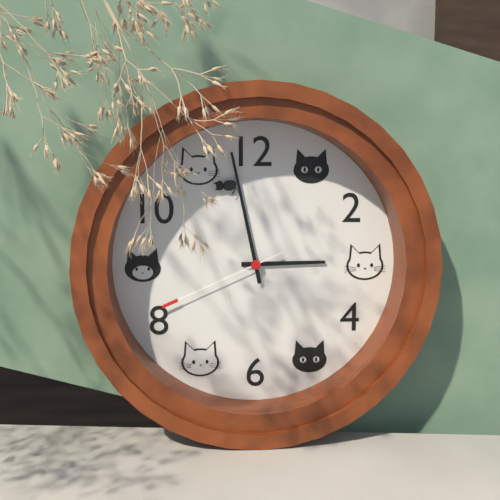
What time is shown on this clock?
2:58:41
